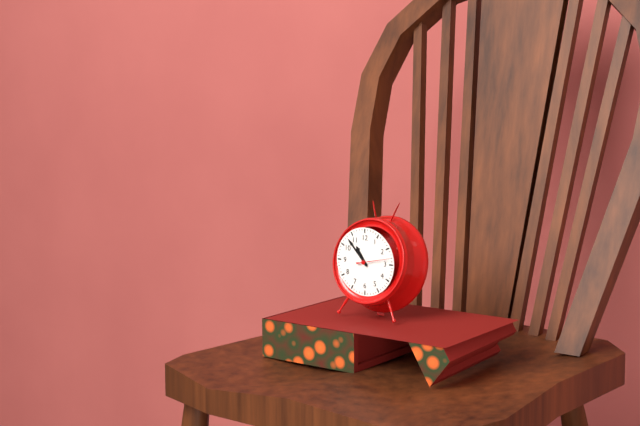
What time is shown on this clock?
10:53
